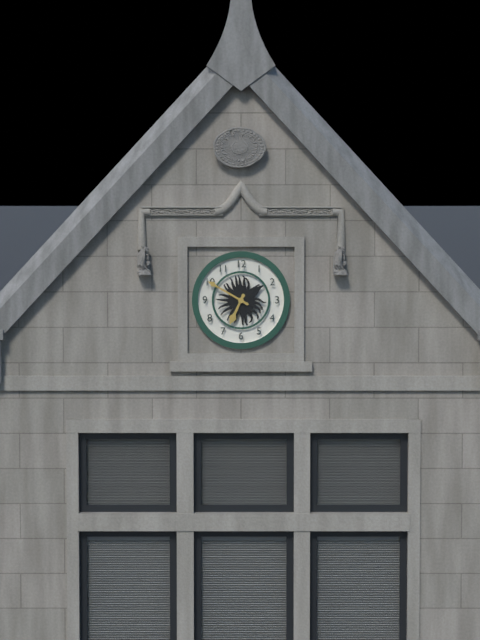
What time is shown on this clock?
6:50
